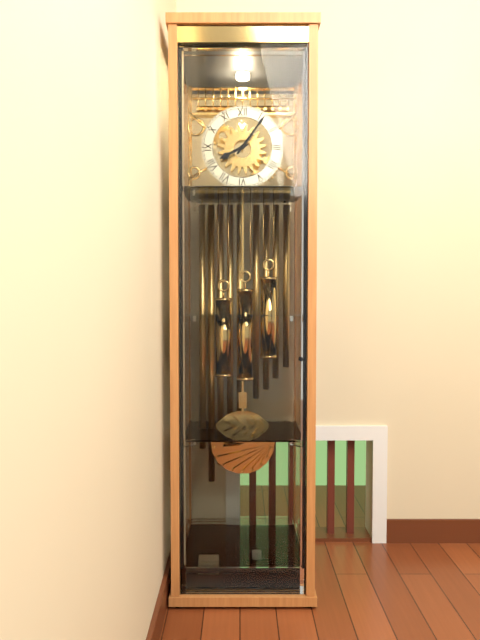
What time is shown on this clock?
8:06
